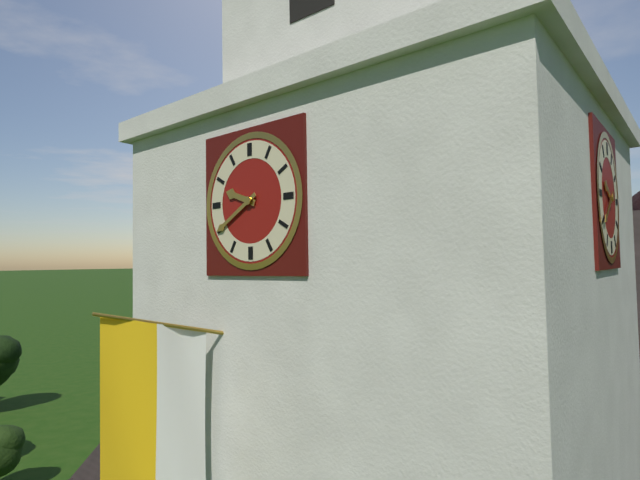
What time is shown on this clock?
9:40
